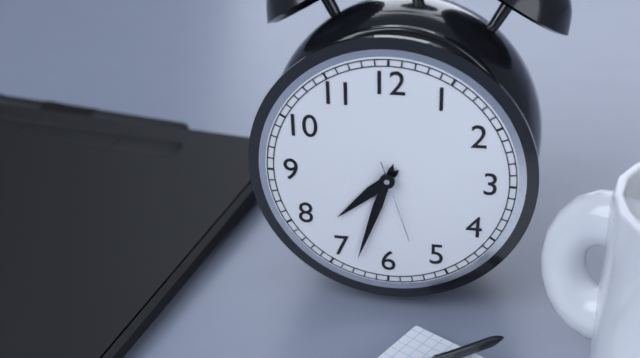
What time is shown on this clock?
7:33:27
